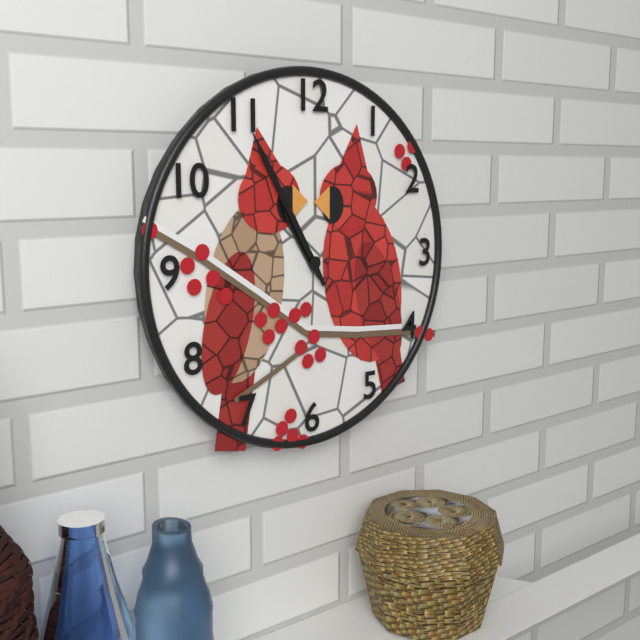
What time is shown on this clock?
10:55
